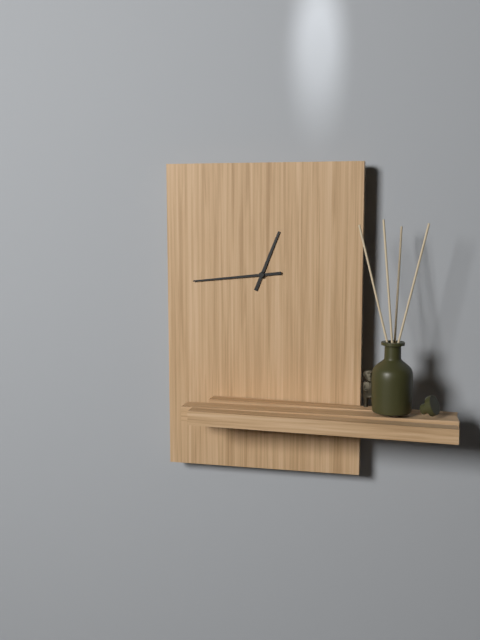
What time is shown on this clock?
12:44
